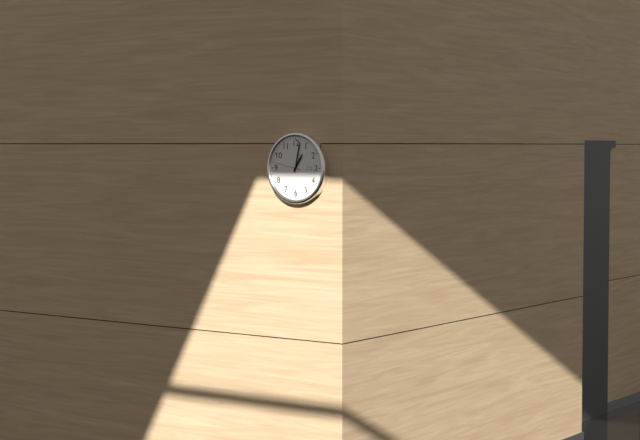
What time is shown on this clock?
1:02
